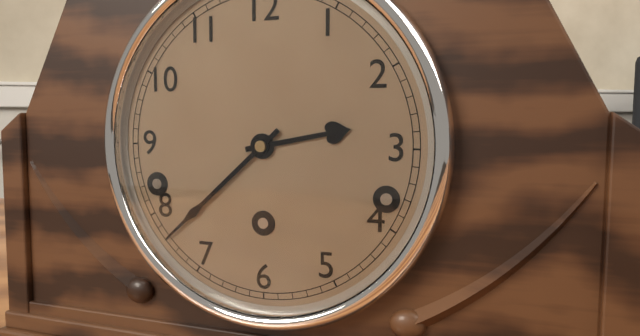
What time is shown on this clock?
2:38
